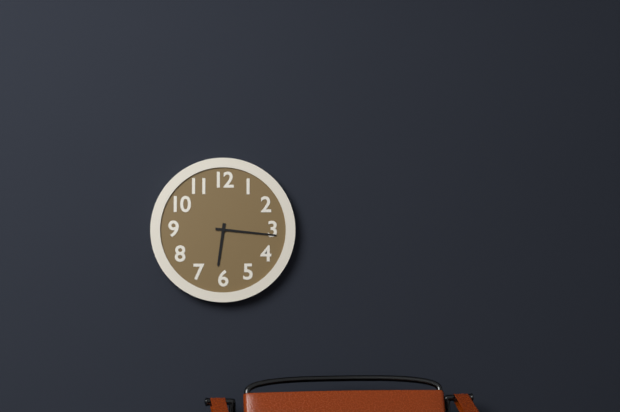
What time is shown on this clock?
6:16
